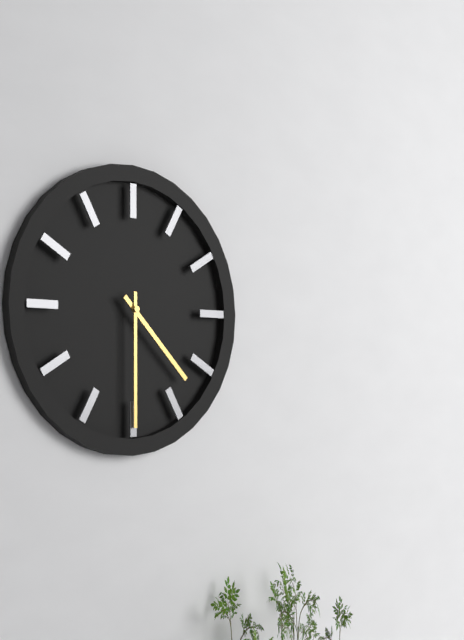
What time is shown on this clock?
4:30
